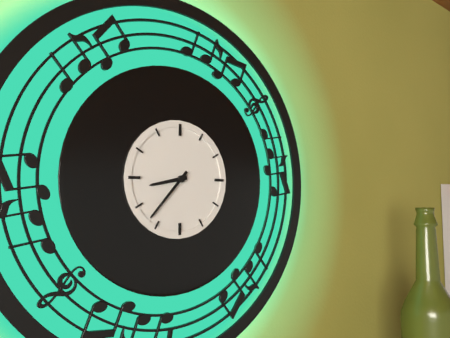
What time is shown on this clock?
8:37
